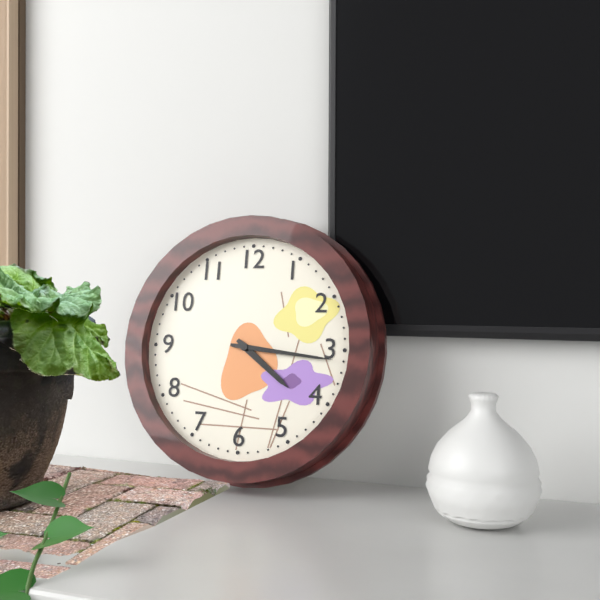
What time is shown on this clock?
4:16
